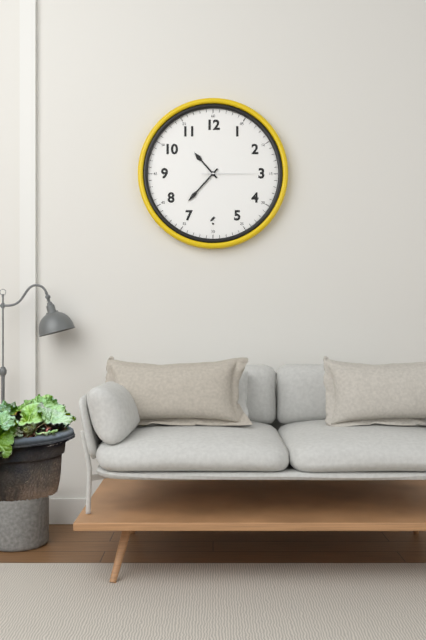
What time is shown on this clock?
10:37:15
